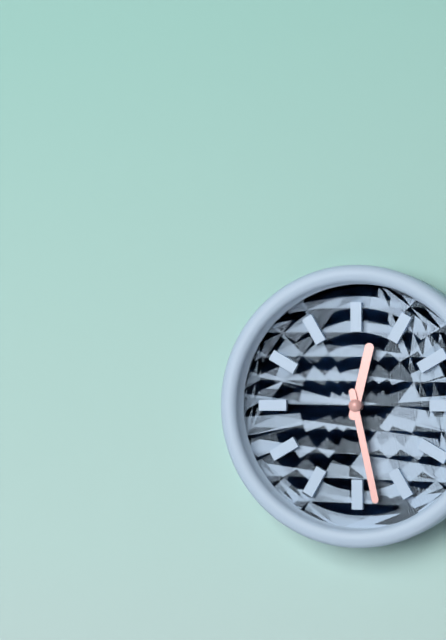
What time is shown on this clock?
12:28
